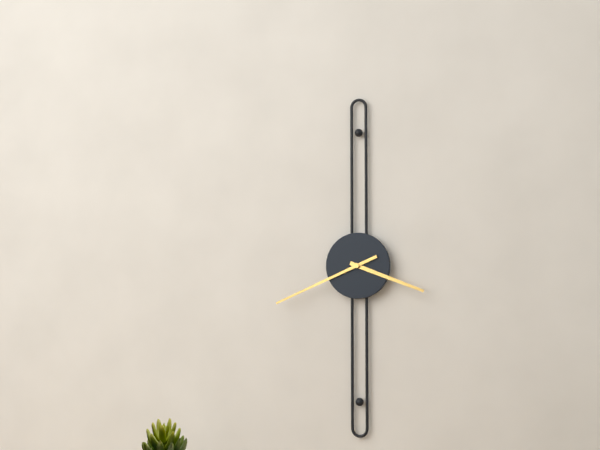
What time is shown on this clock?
3:41
